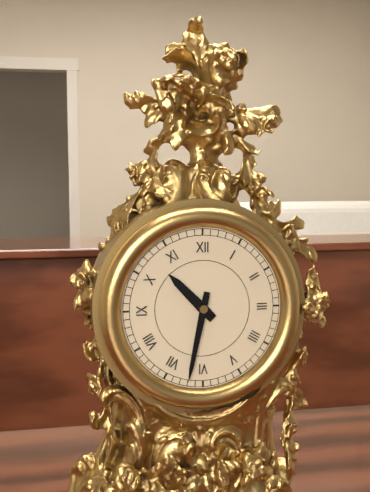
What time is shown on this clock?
10:32
